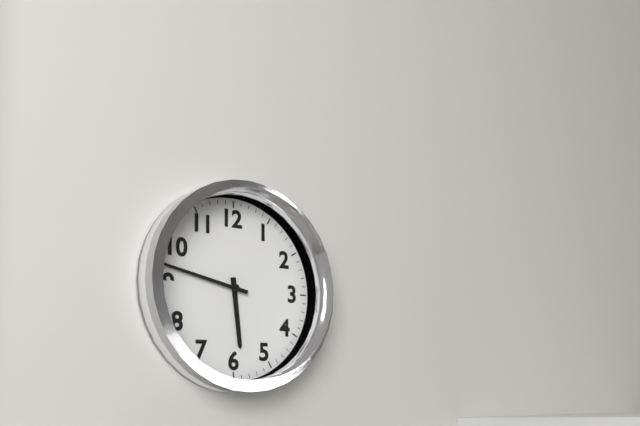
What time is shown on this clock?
5:47
